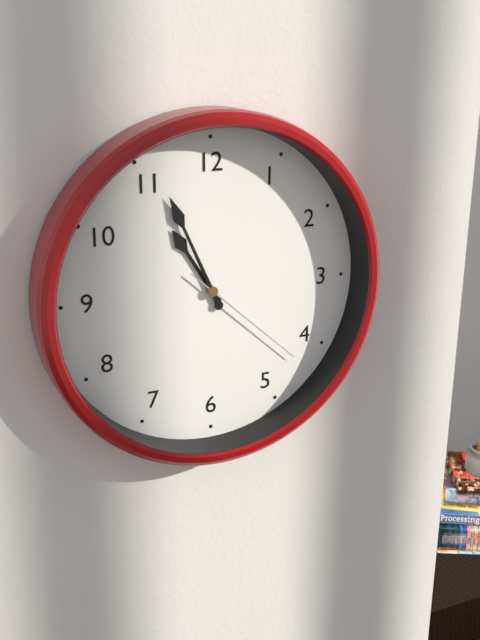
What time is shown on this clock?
10:56:22
